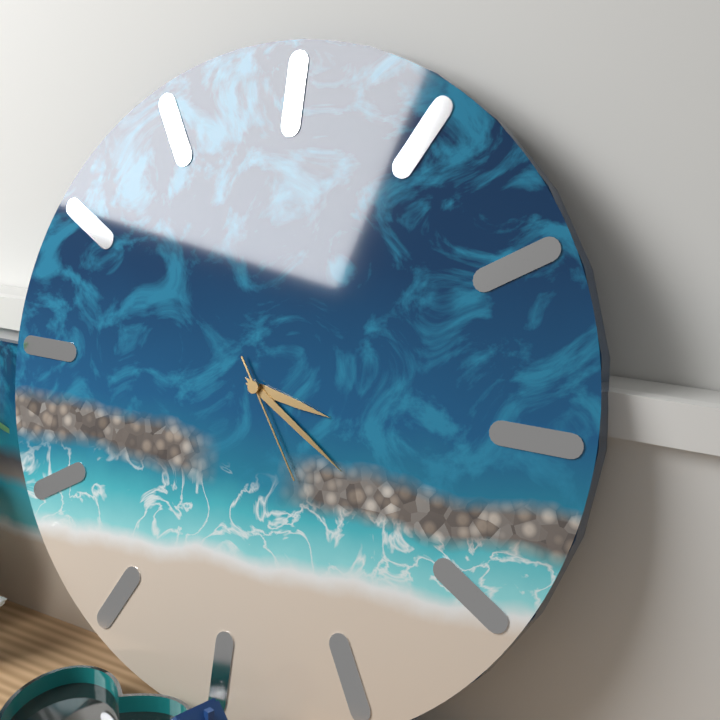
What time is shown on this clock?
3:20:24
